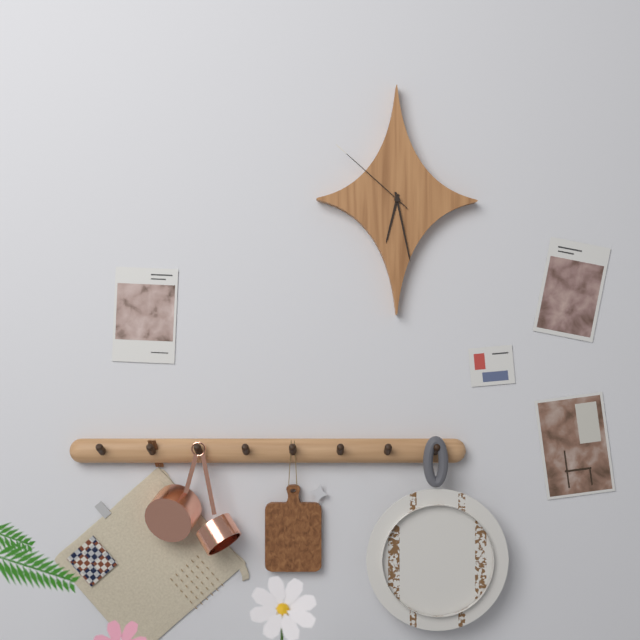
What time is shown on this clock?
6:28:52
